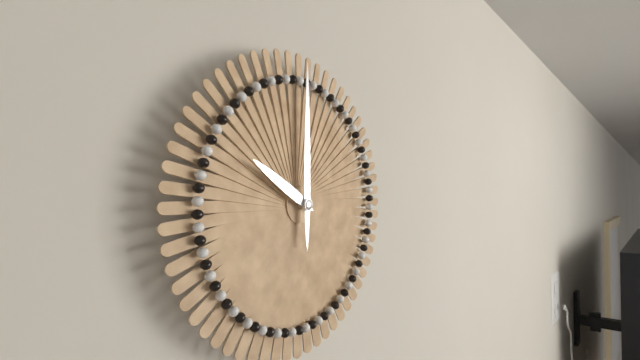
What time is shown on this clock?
10:00
